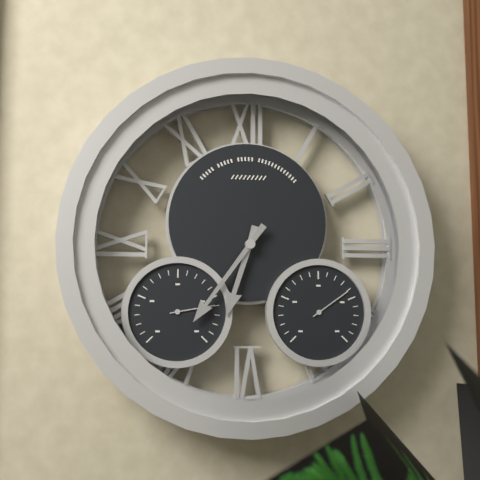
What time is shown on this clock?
6:36
